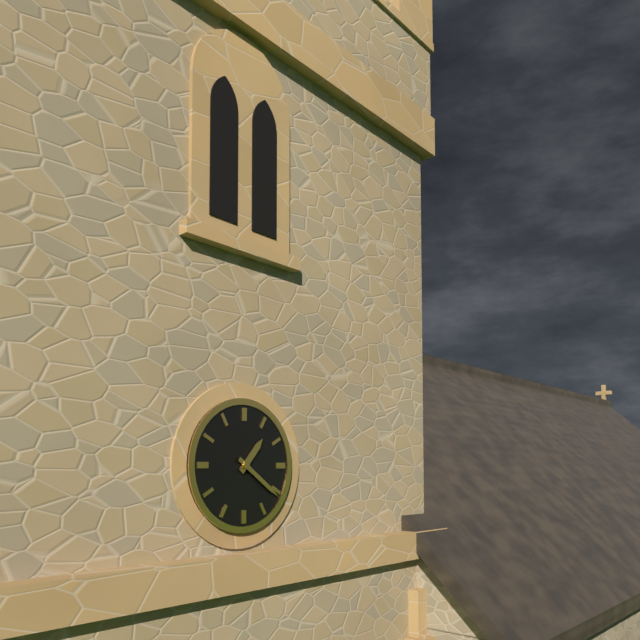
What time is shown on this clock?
1:21
